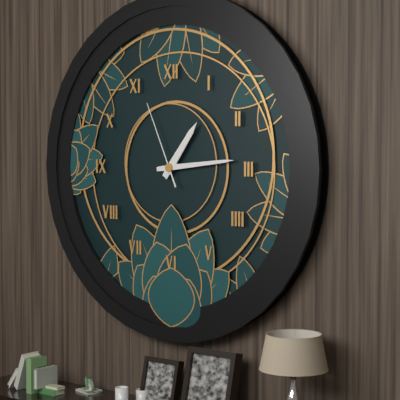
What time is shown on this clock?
1:14:56
